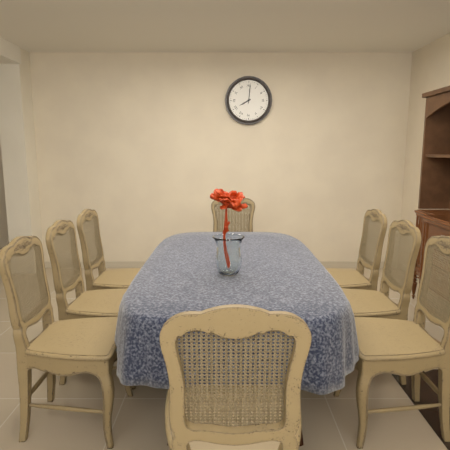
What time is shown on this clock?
8:01
